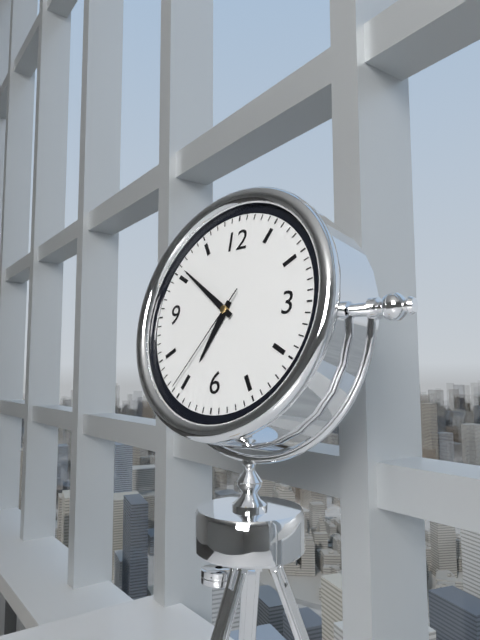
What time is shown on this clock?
6:51:36
